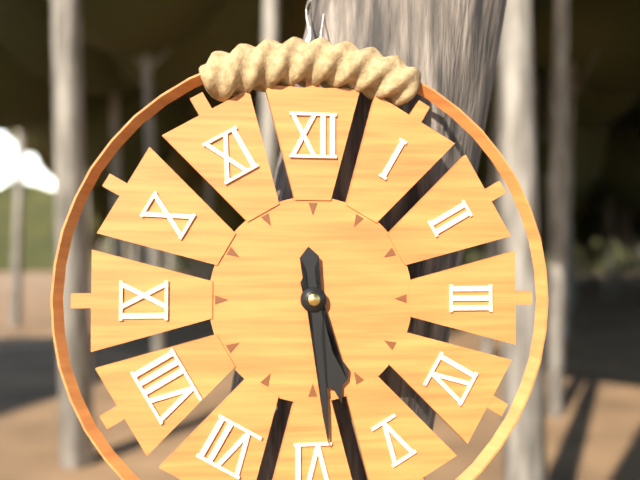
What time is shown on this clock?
5:29
